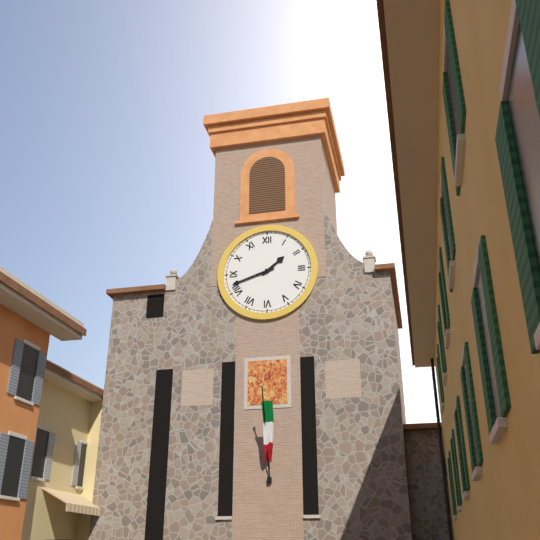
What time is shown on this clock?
1:42
